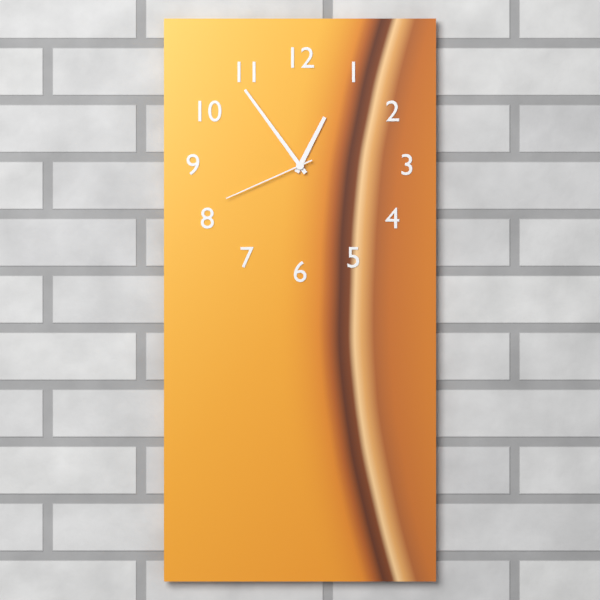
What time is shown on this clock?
12:54:41
